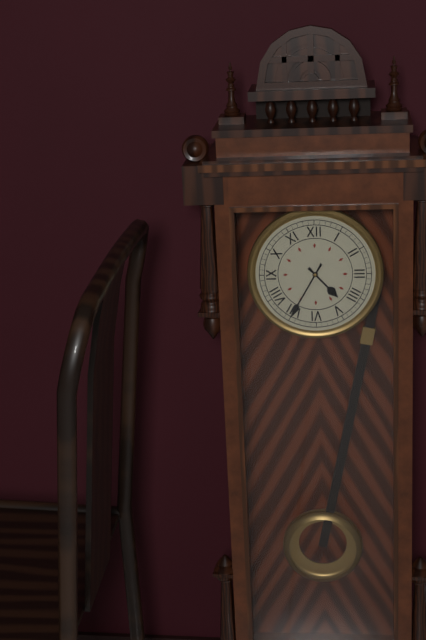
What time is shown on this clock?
4:35
